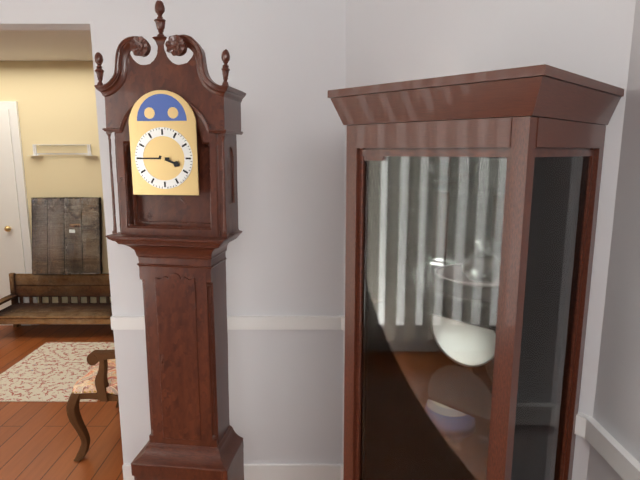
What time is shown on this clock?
3:45
